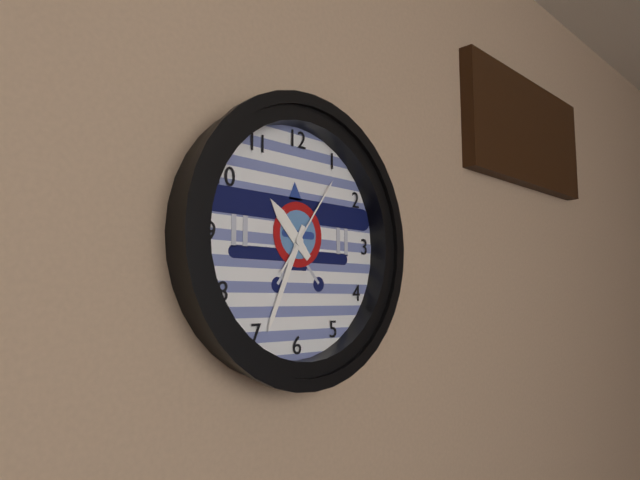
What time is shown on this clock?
10:34:06
